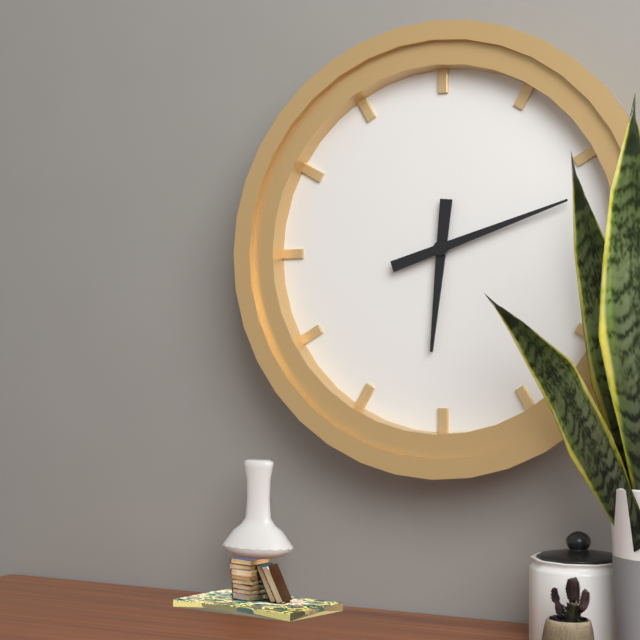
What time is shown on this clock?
6:12
